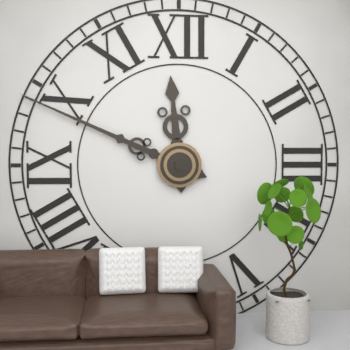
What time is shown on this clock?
11:49
